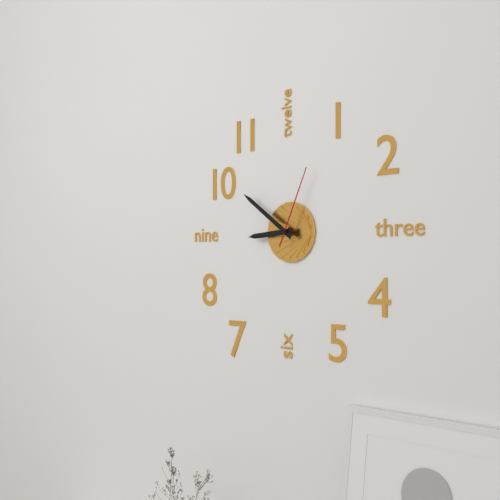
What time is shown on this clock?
8:51:04
